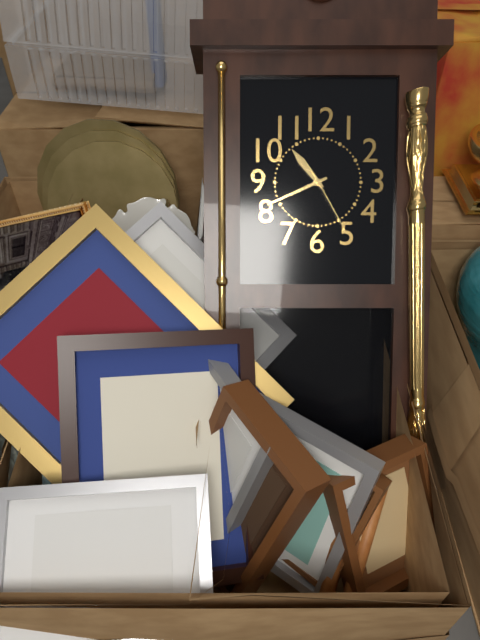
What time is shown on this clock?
10:41:25
